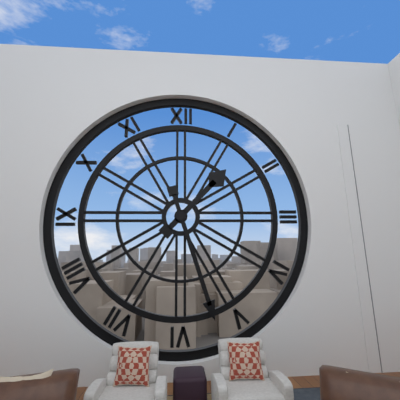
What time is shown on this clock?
1:27
